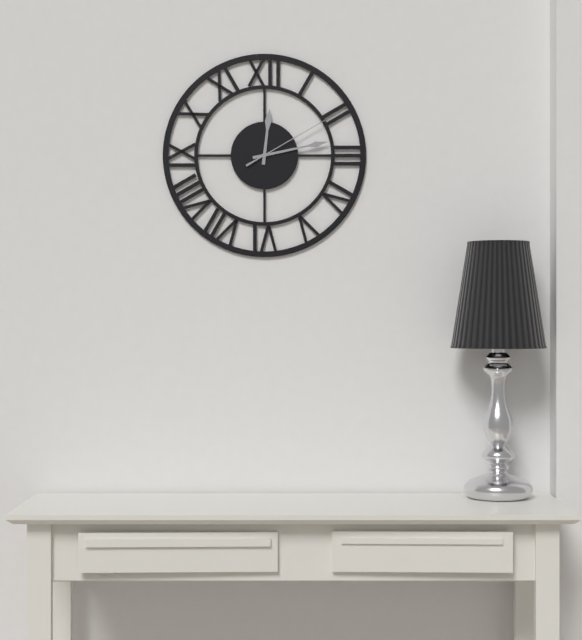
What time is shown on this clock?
12:13:10
